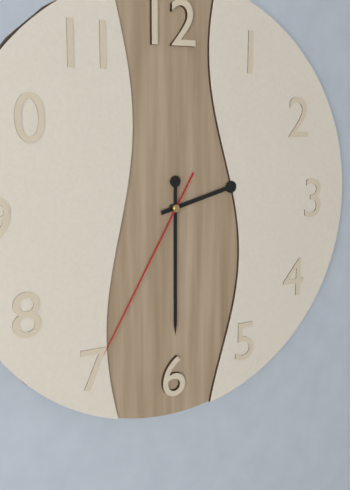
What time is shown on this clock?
2:30:35
